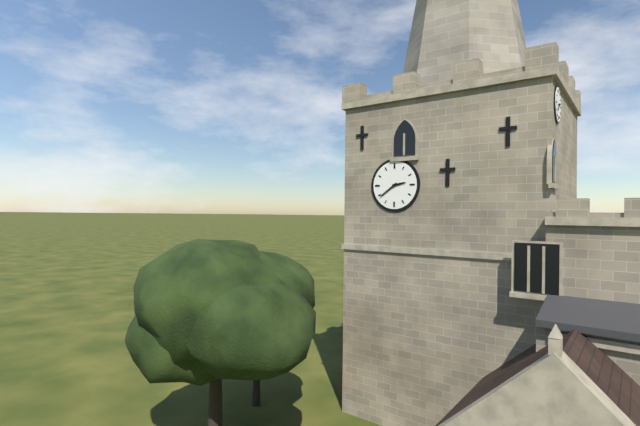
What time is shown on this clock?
2:39
